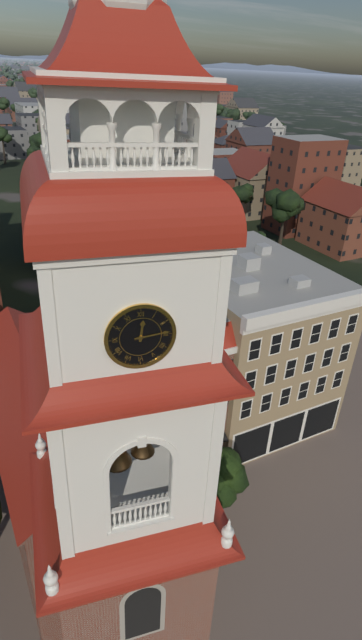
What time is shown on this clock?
12:14
